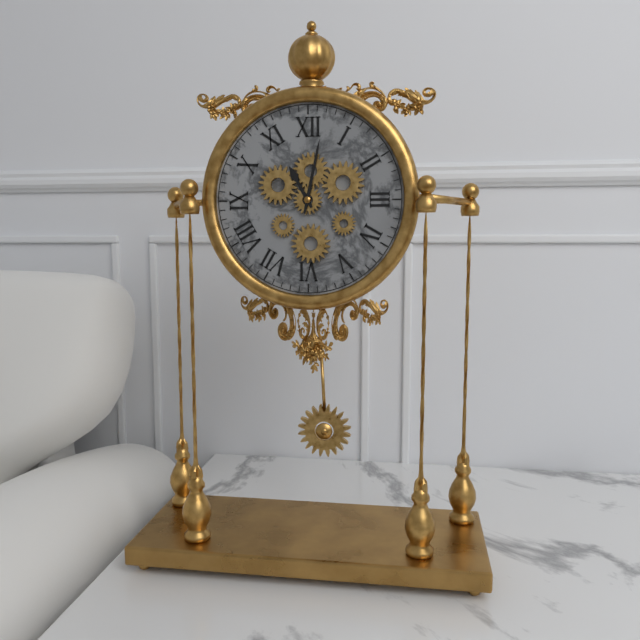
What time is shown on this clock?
11:02
